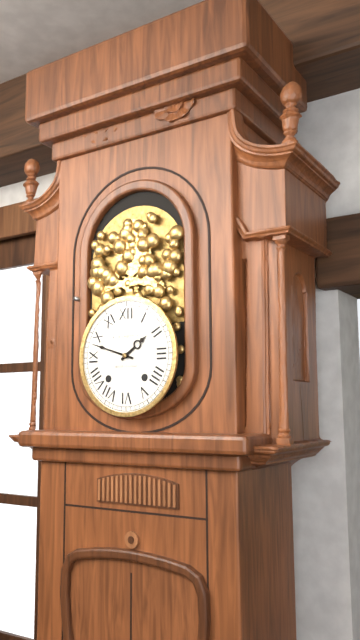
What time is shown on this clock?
1:48
